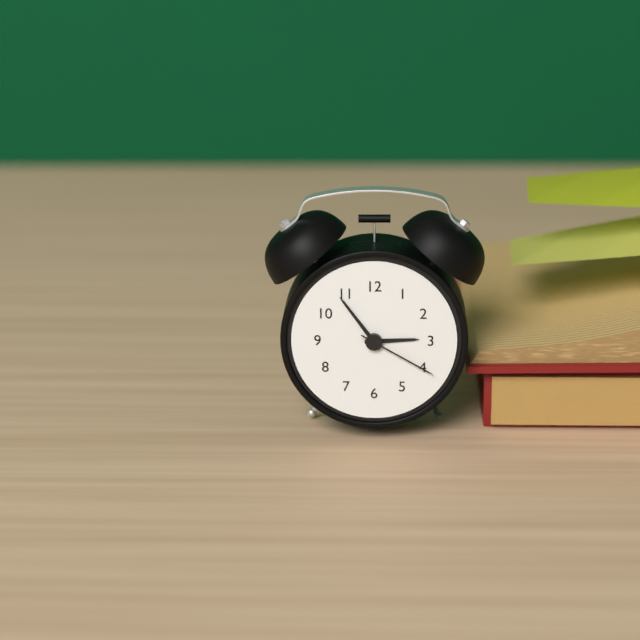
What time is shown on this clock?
2:54:20
